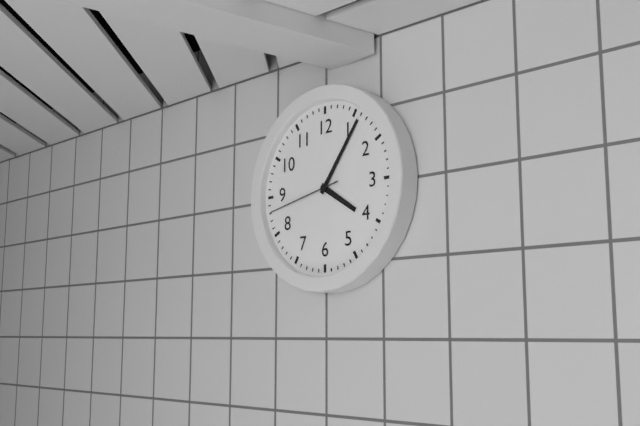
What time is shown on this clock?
4:06:43
